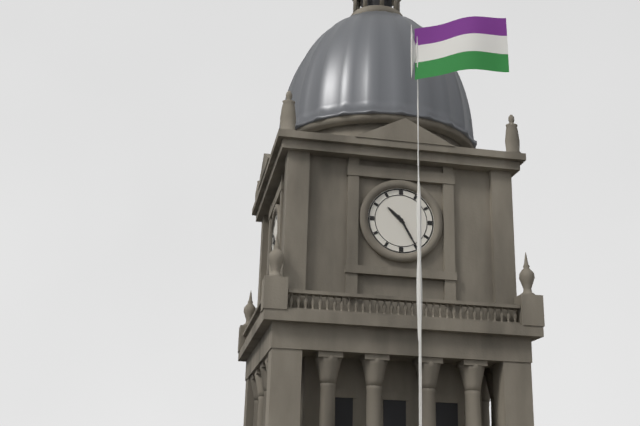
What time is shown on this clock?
10:25
